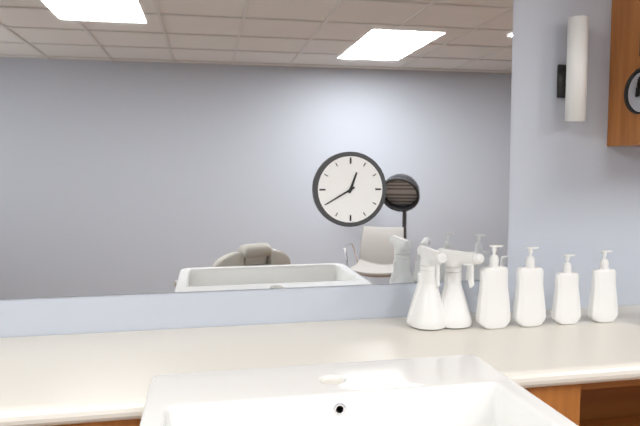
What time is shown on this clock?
12:40
